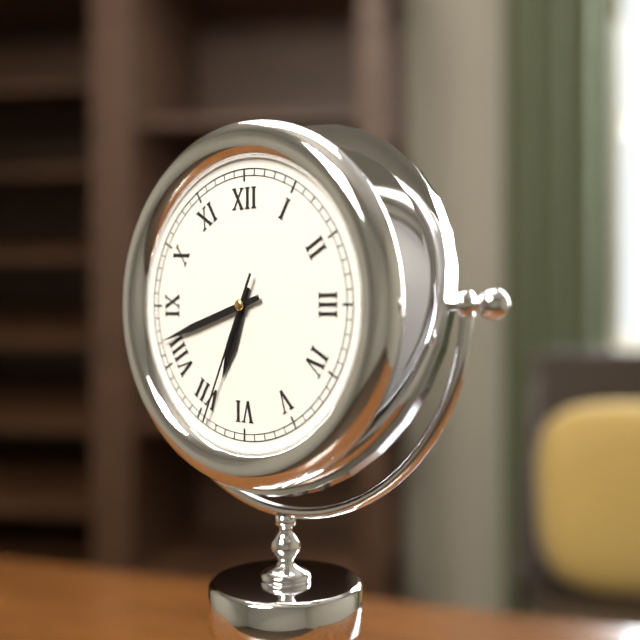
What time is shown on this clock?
6:42:34
